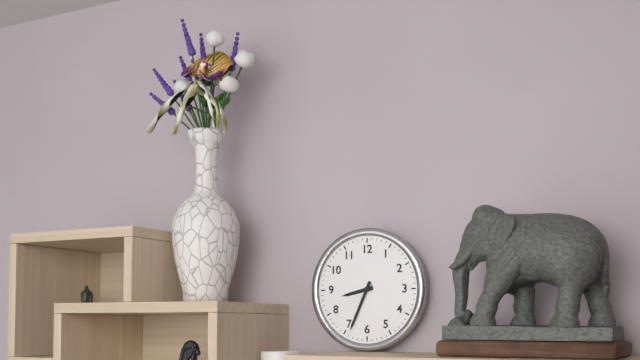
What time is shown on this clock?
8:34
